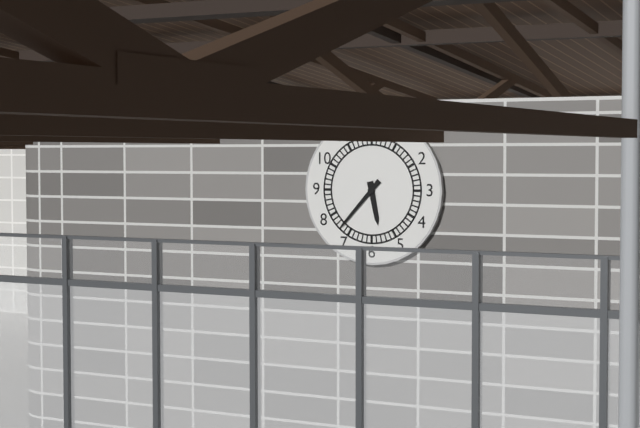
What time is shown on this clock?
5:37
